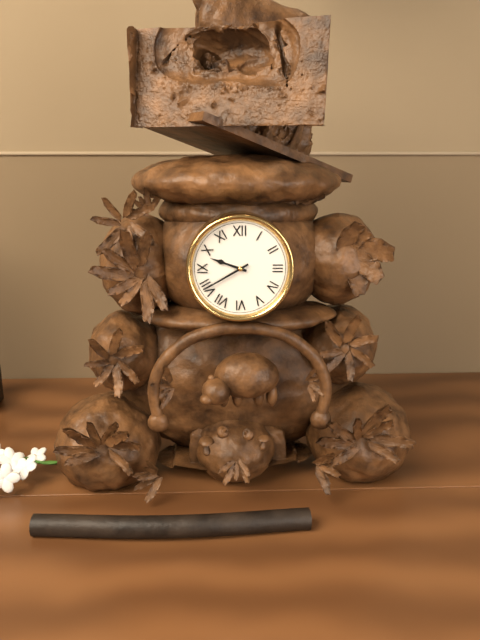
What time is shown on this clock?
9:40
